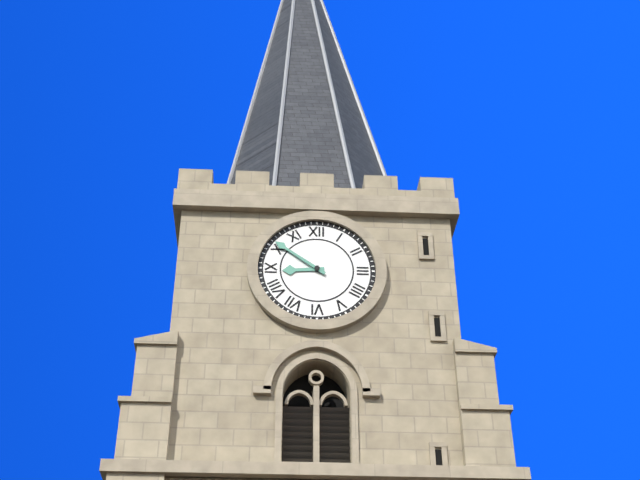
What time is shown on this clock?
8:51
